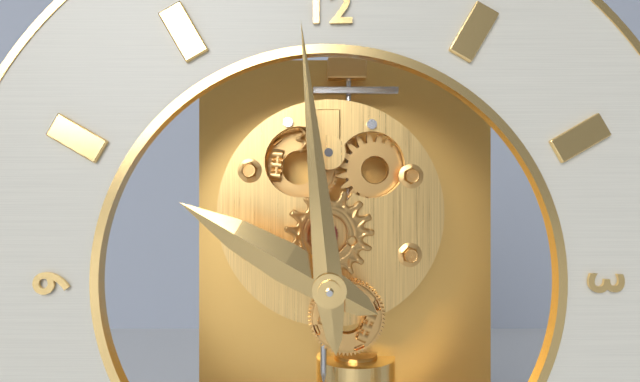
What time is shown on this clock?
9:59
